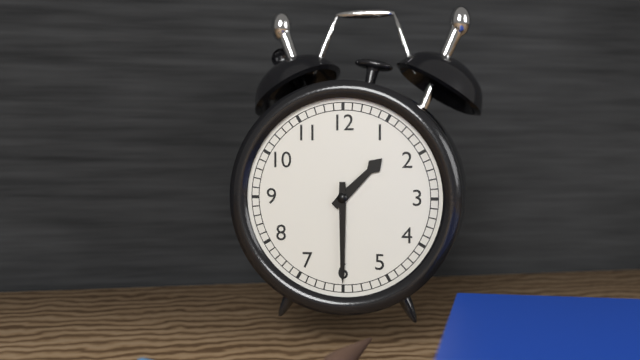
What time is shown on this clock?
1:30
